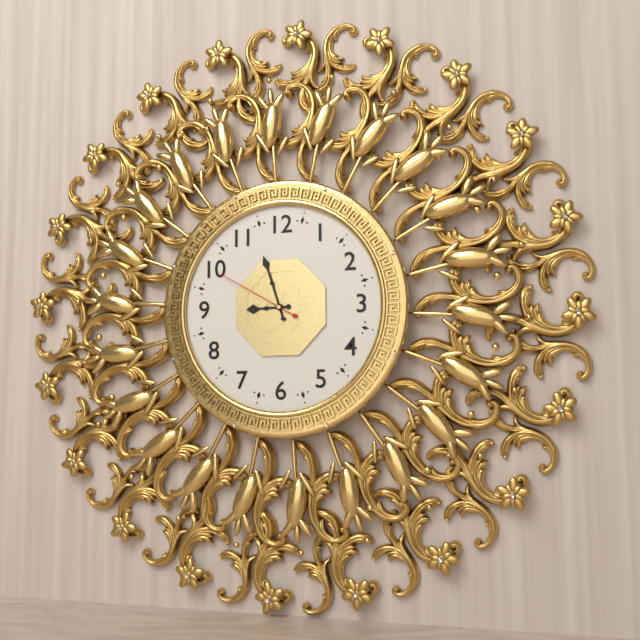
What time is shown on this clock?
8:57:50
